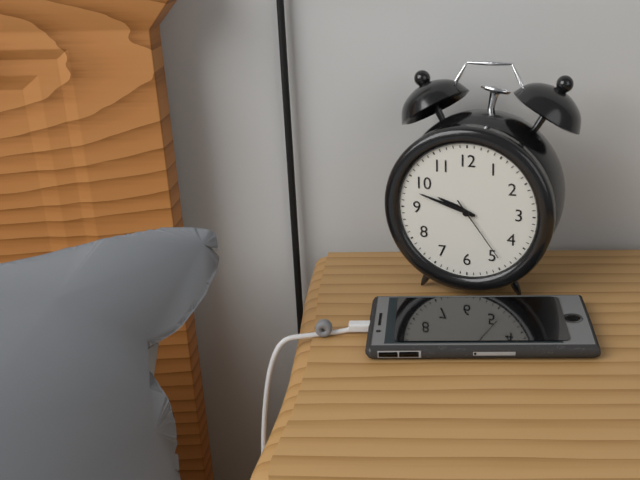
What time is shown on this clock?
9:48:24
